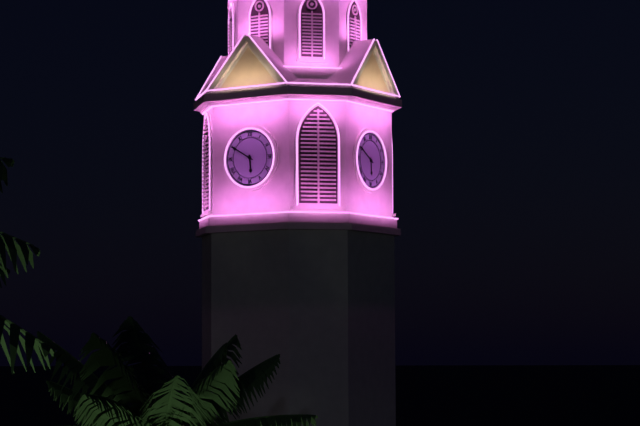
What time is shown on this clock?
5:50
